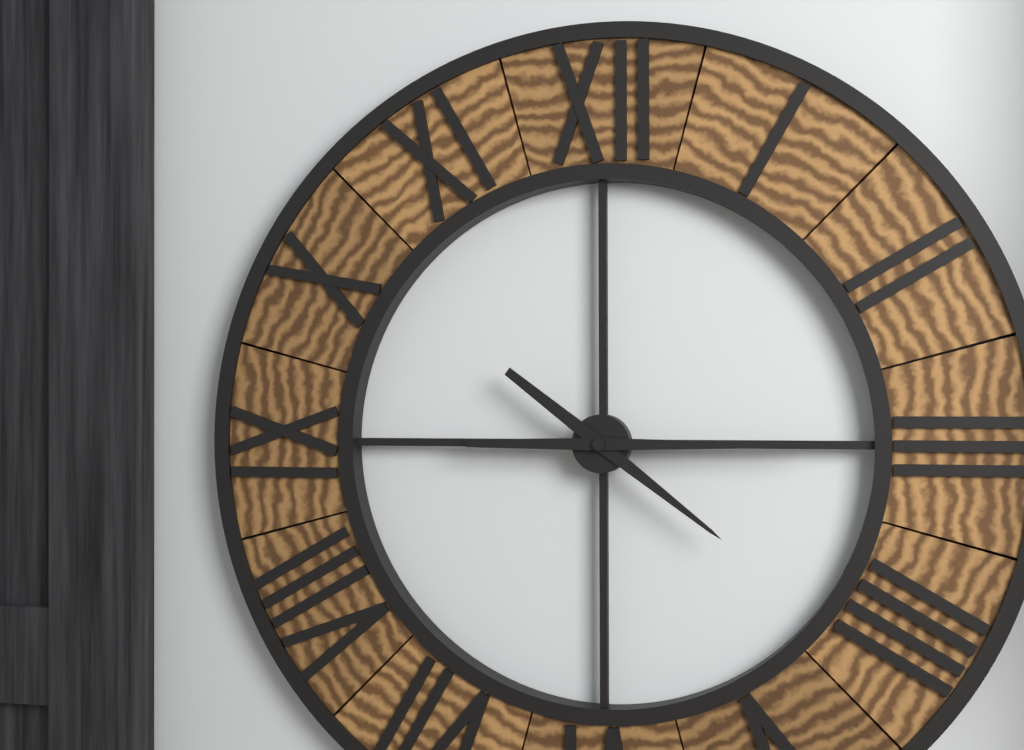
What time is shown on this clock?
4:15
